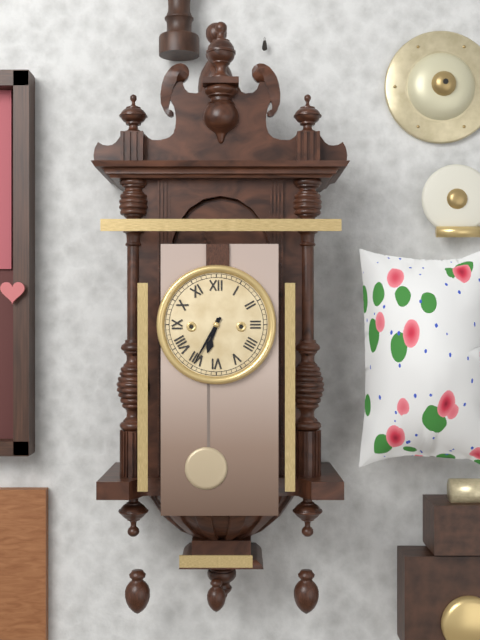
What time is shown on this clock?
6:35
